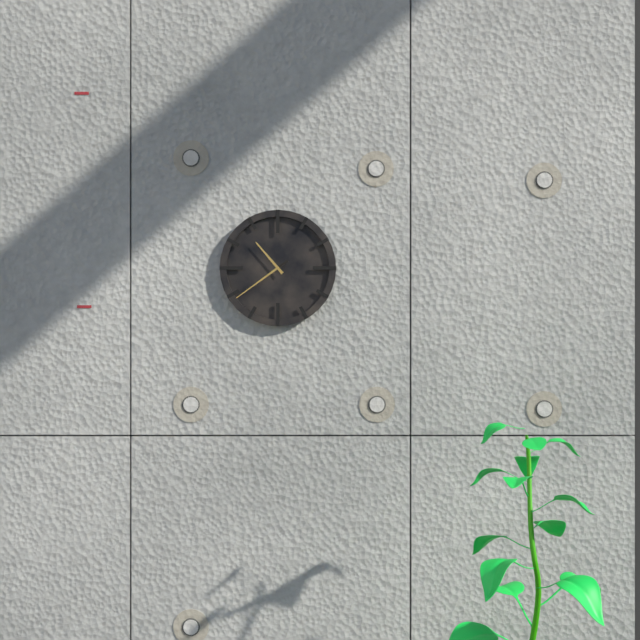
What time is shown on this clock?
10:39
